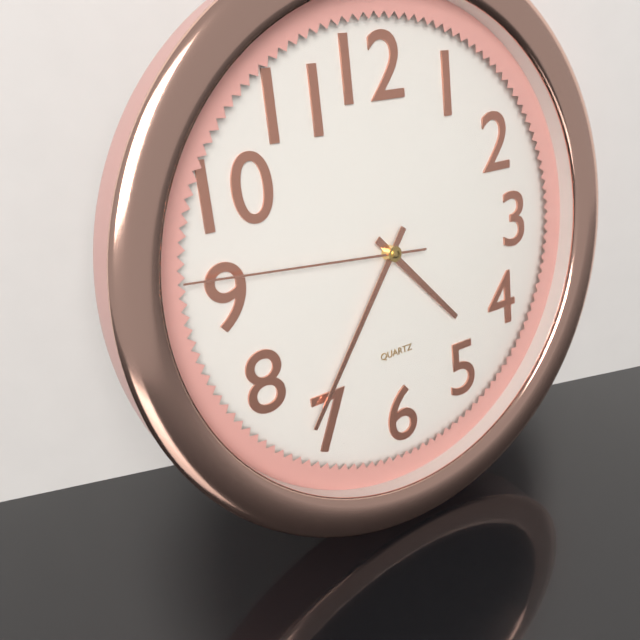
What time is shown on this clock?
4:36:46
